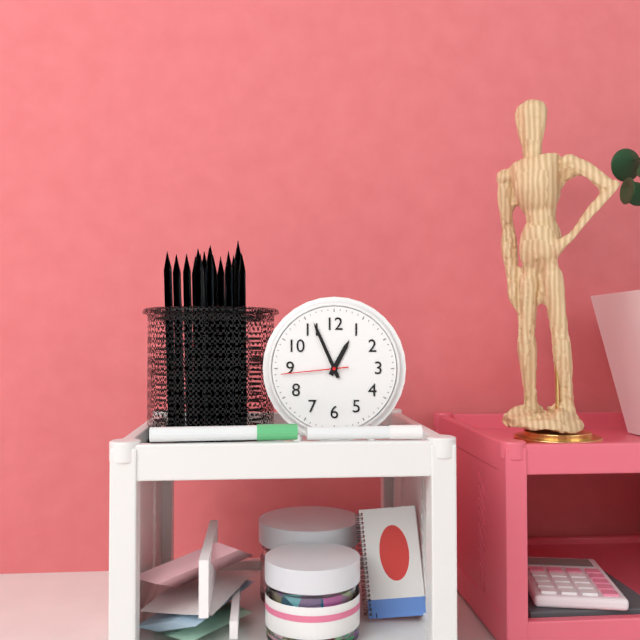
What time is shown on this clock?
12:56:44
